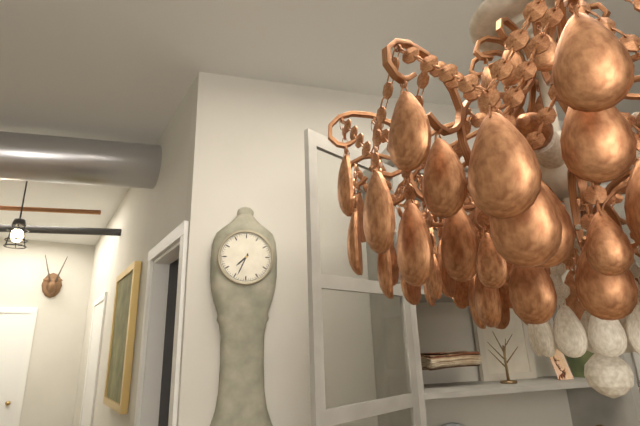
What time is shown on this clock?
7:34
